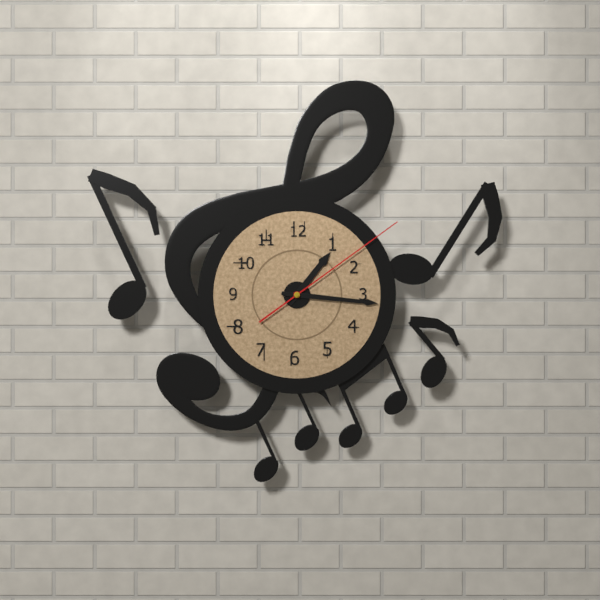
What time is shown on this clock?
1:16:09
